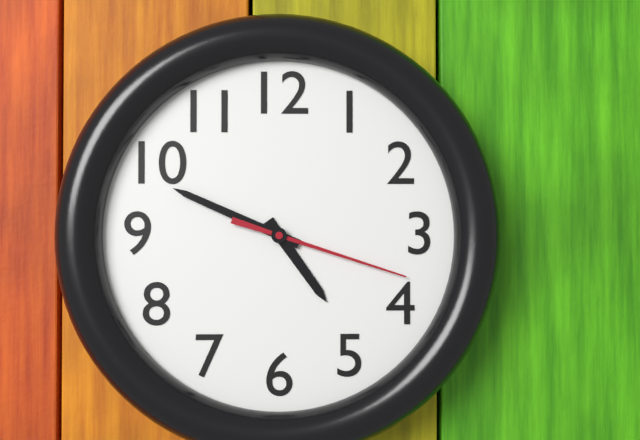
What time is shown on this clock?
4:49:18
